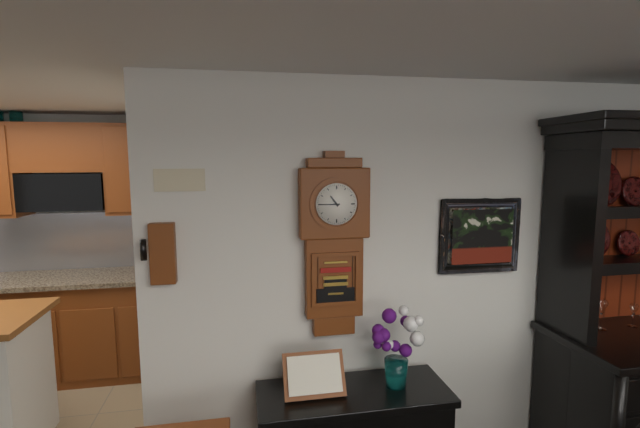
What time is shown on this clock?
10:45
